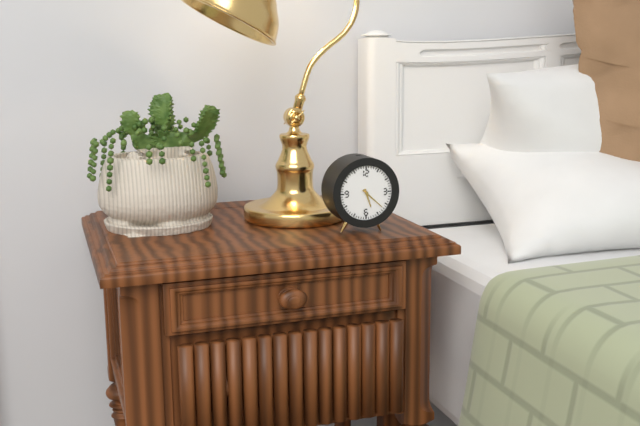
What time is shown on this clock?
5:22
